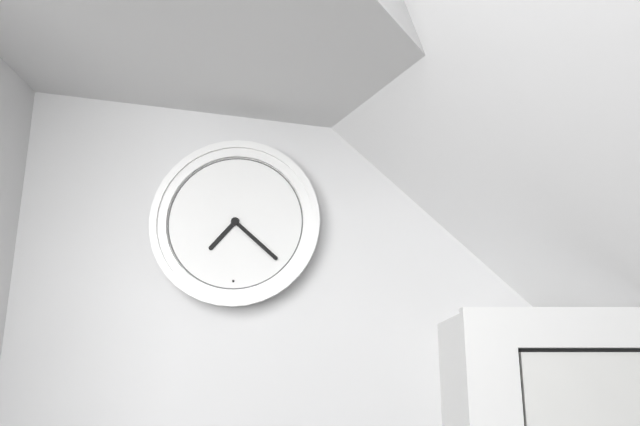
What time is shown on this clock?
7:22
